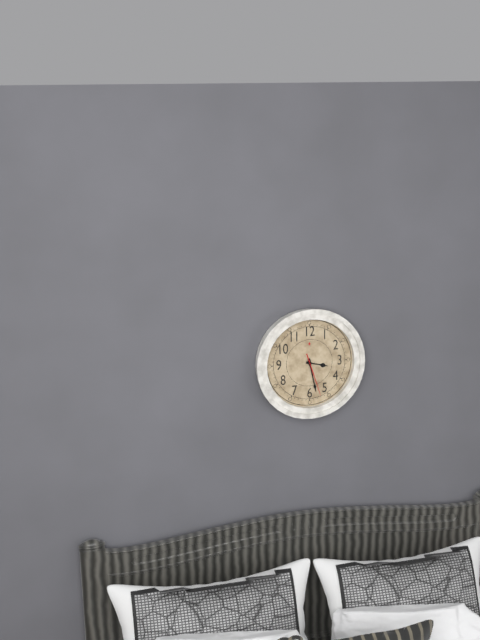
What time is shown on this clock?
3:28
